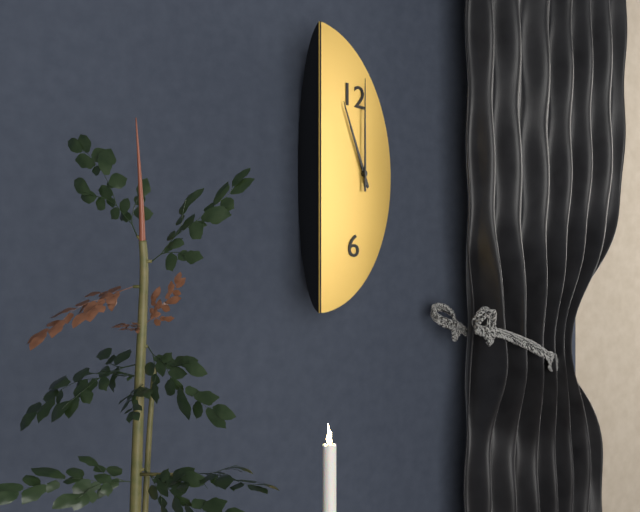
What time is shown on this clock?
11:00
